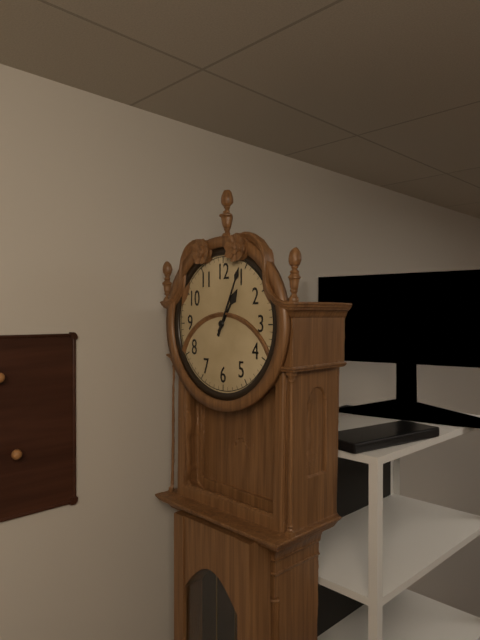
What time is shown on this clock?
1:04
